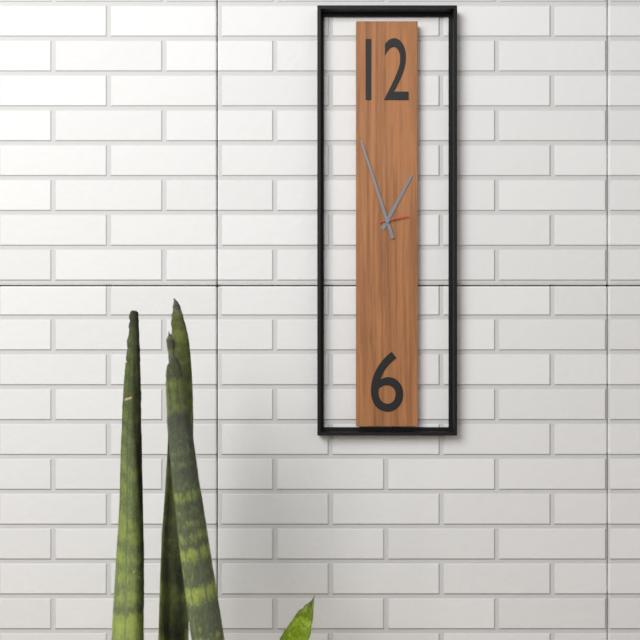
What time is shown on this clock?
12:57
